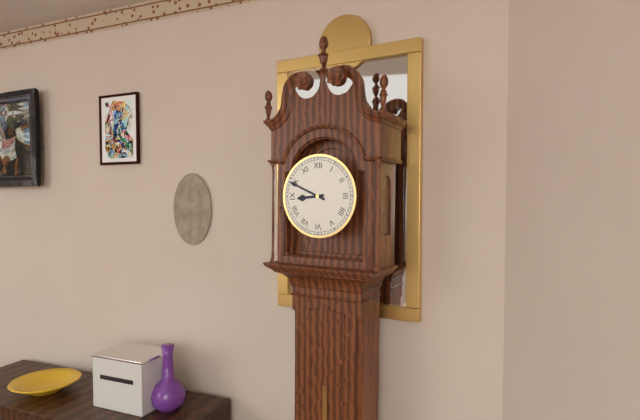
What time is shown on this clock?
8:49
